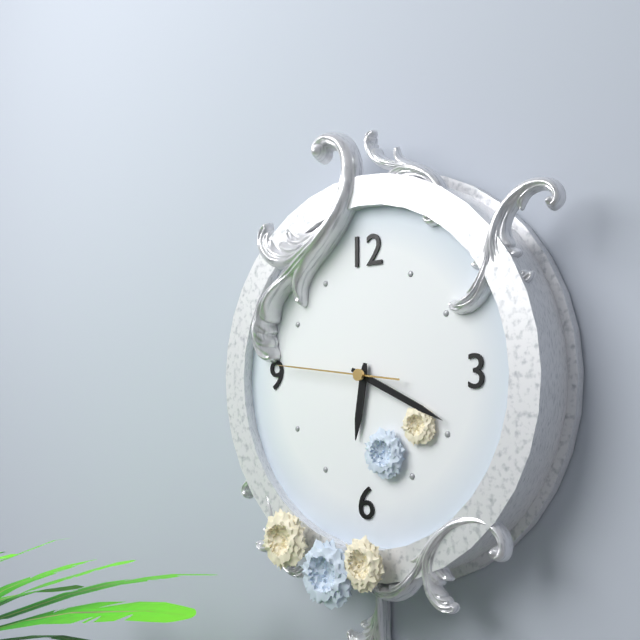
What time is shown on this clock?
6:19:46
